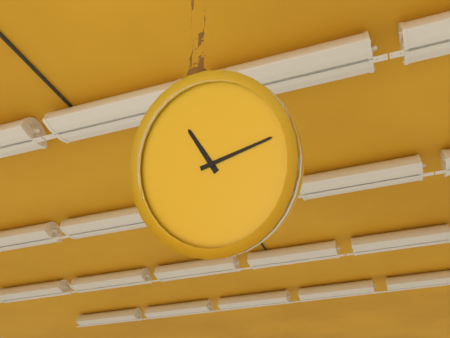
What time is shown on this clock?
11:14
